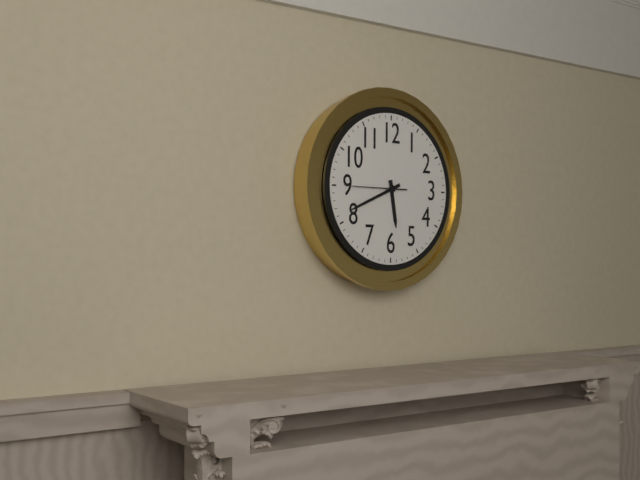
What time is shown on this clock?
5:41:45
